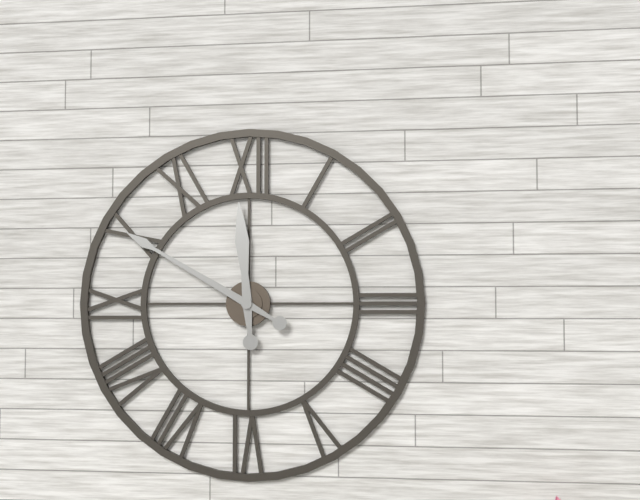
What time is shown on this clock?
11:50
